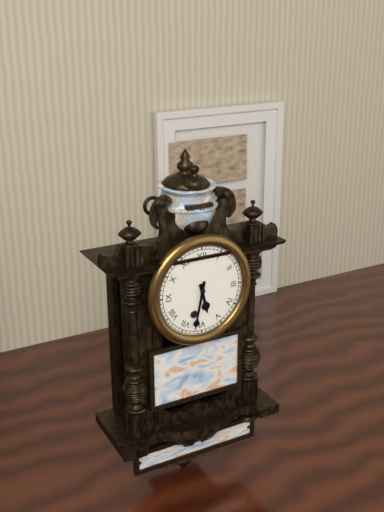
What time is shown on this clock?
5:32
